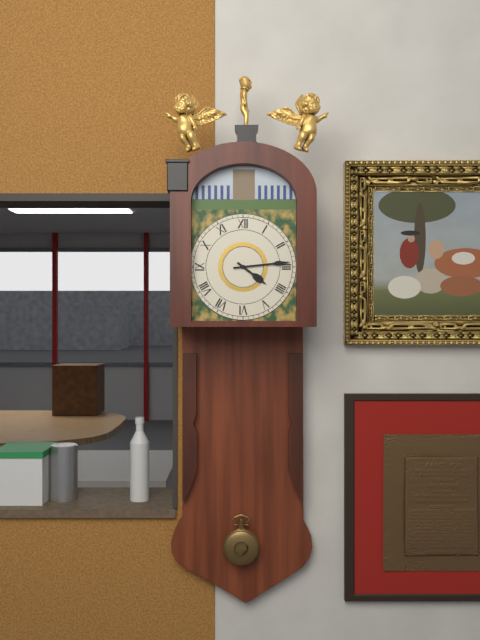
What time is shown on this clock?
4:14
